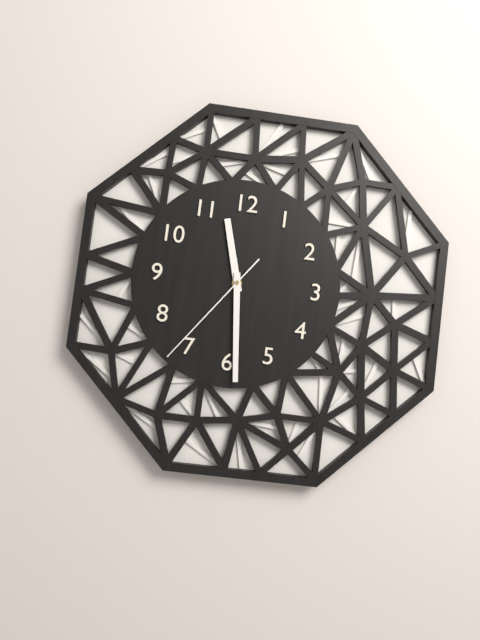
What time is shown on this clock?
11:29:36
